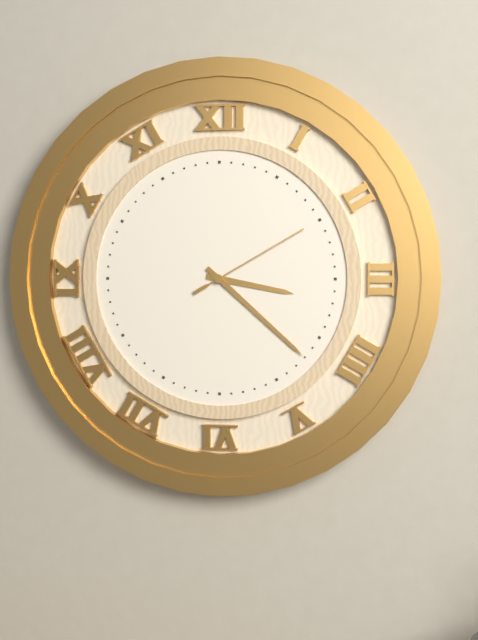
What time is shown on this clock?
3:22:10
